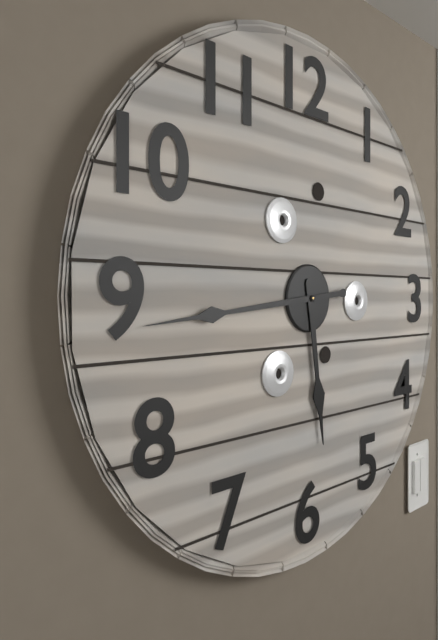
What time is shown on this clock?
5:44
